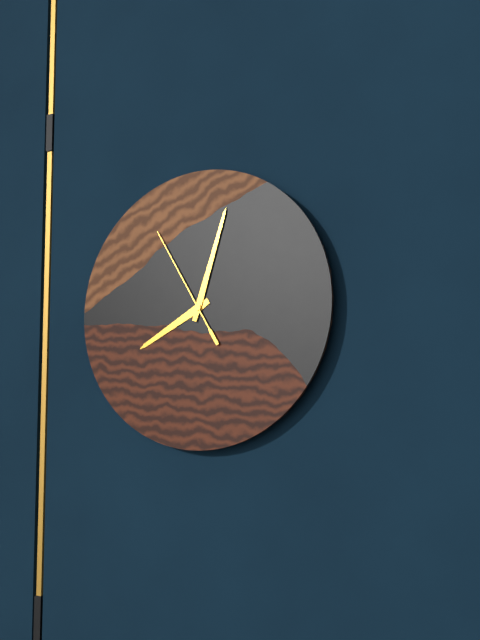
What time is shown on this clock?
8:03:55
